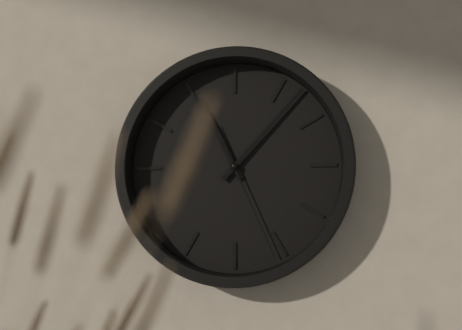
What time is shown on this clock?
11:07:26
